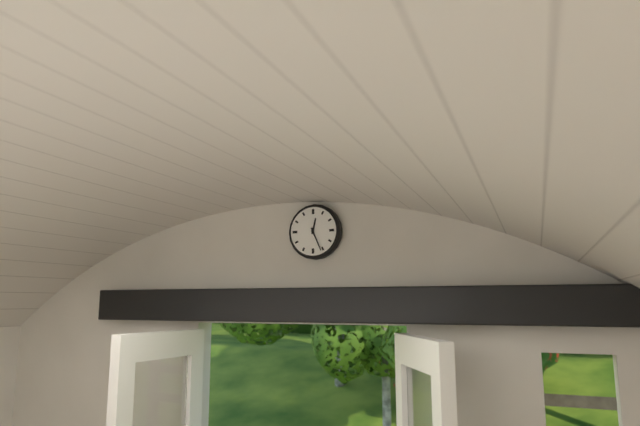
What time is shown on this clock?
12:26
